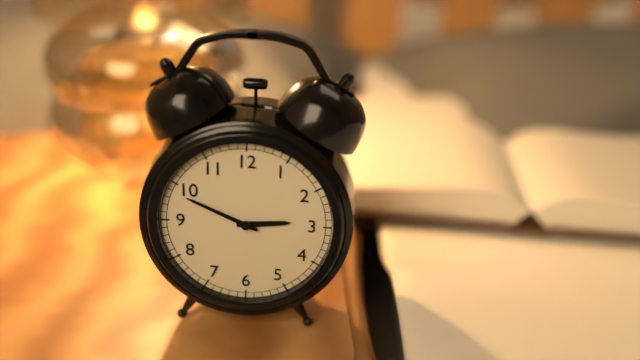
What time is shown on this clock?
2:49
